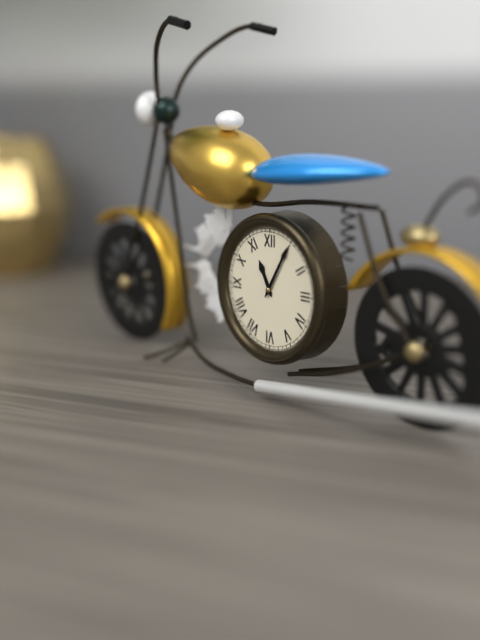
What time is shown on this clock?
11:05
